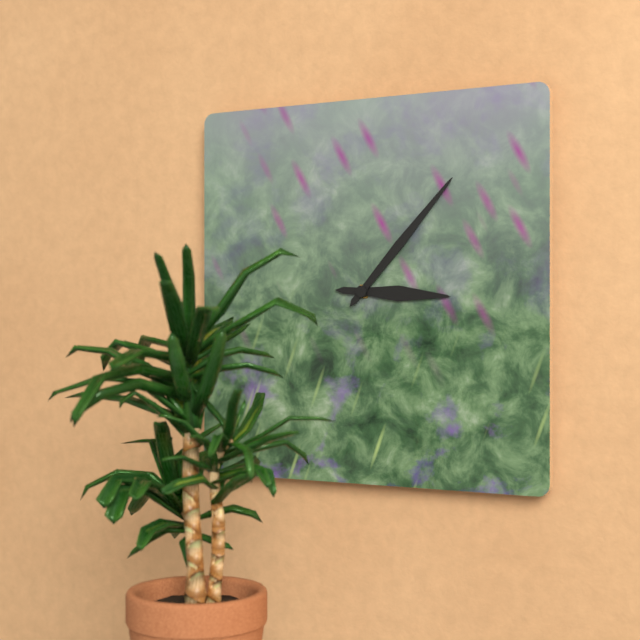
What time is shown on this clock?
3:07
